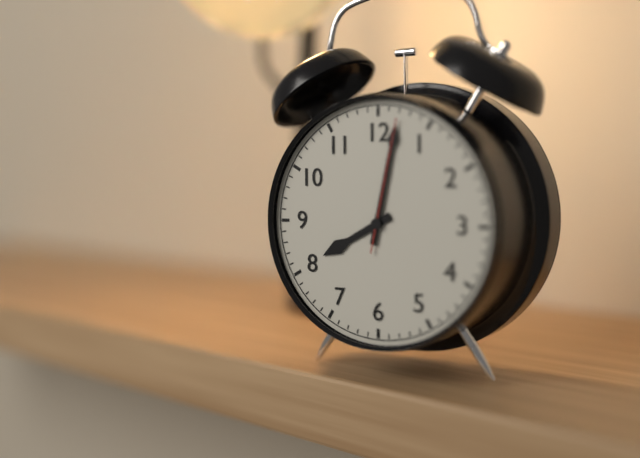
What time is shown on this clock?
8:02:02
